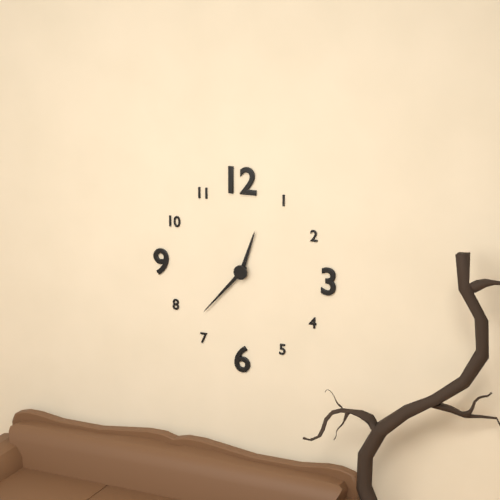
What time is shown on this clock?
12:37
